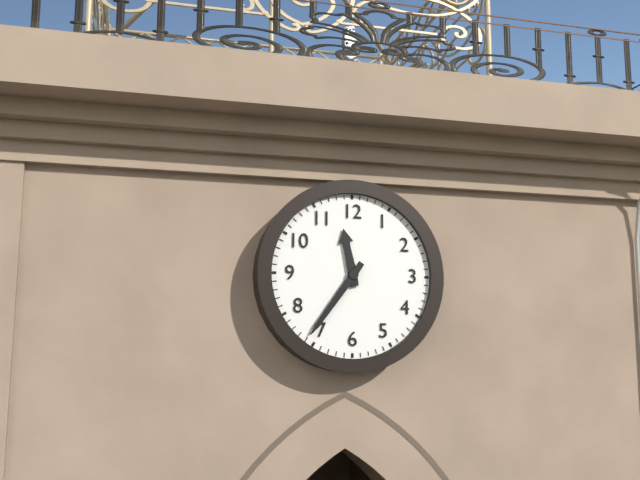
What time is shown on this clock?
11:36
